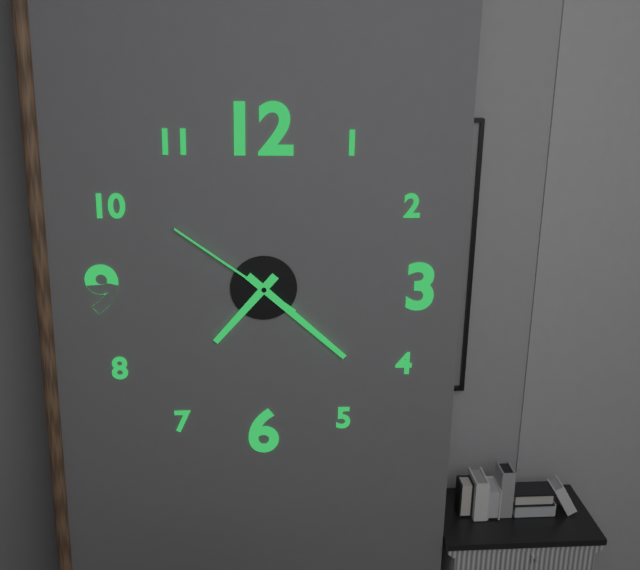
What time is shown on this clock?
7:22:51
